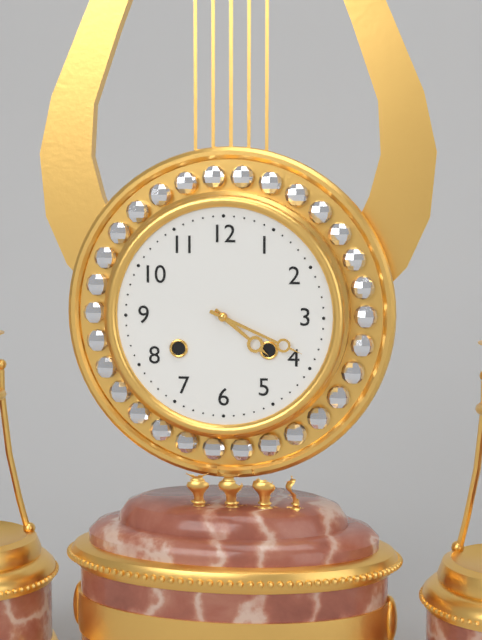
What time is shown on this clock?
4:19
